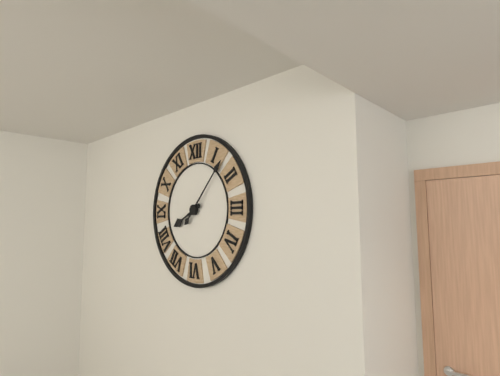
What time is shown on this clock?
8:07
